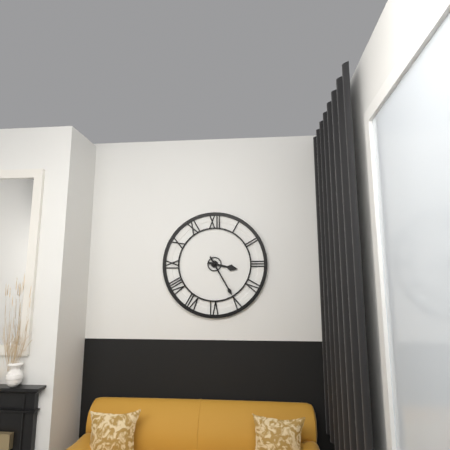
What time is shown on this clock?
3:25
